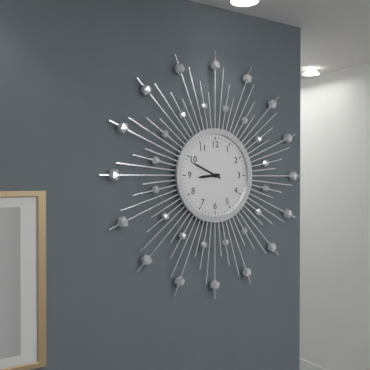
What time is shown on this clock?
8:49
